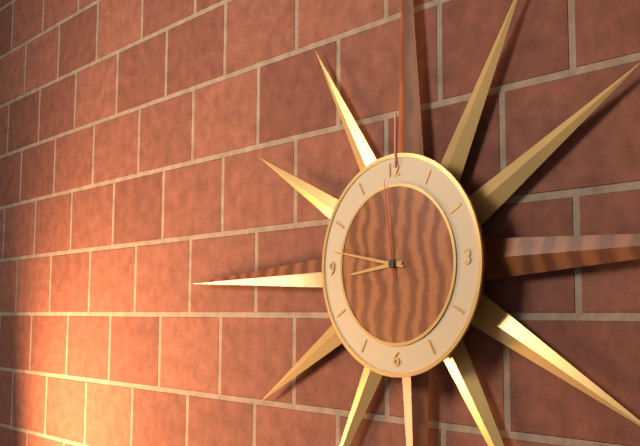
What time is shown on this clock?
8:47:59
